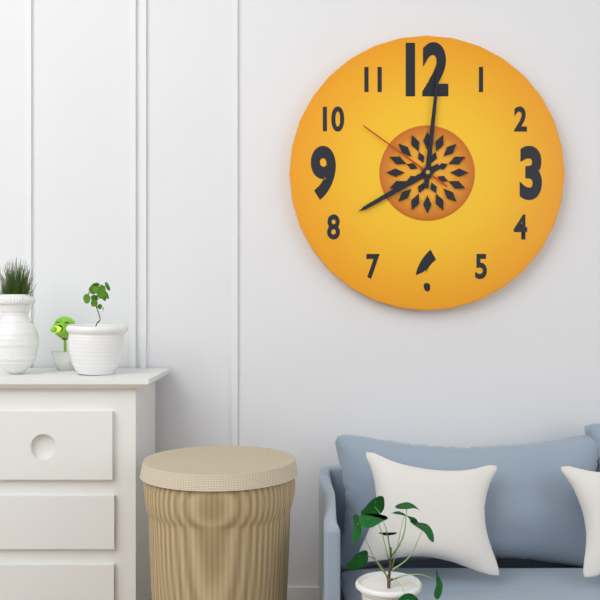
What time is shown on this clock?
8:01:51
